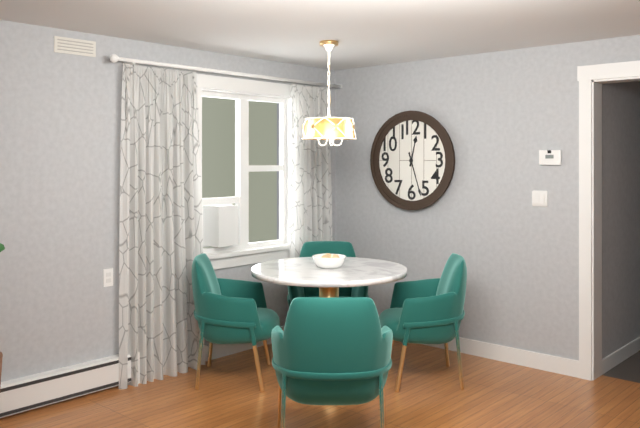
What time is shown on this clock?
12:27
